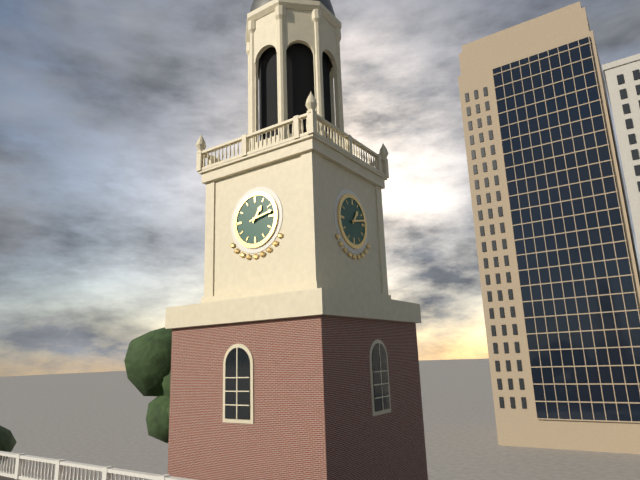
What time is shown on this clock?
1:13
